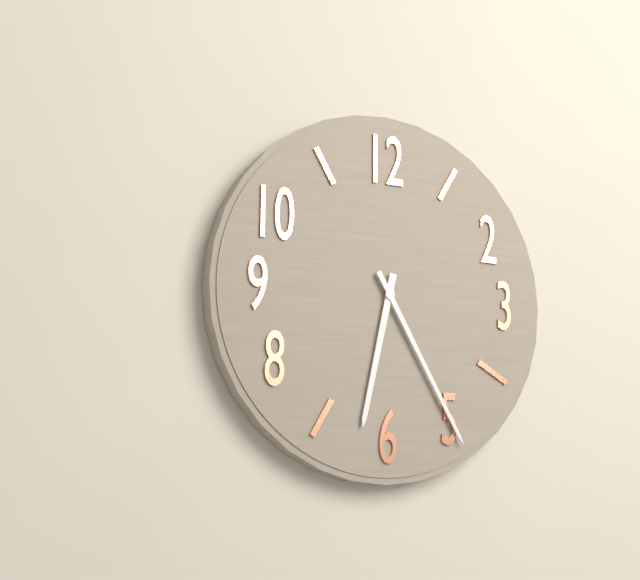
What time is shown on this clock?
6:25
